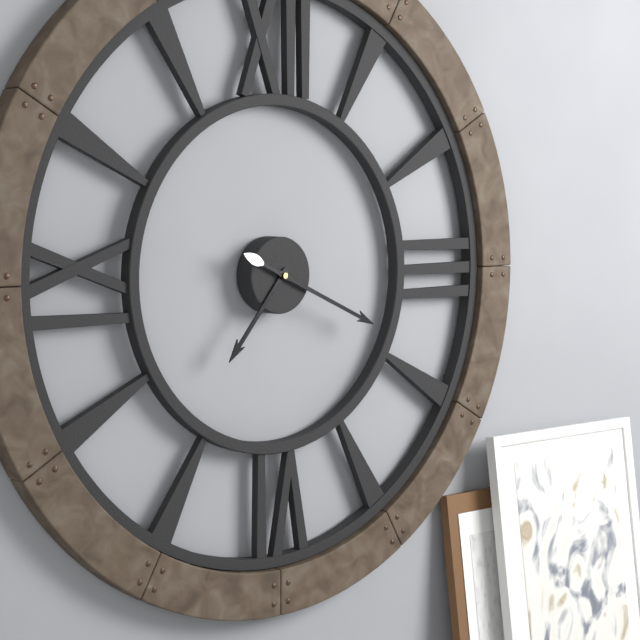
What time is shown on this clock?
7:19
